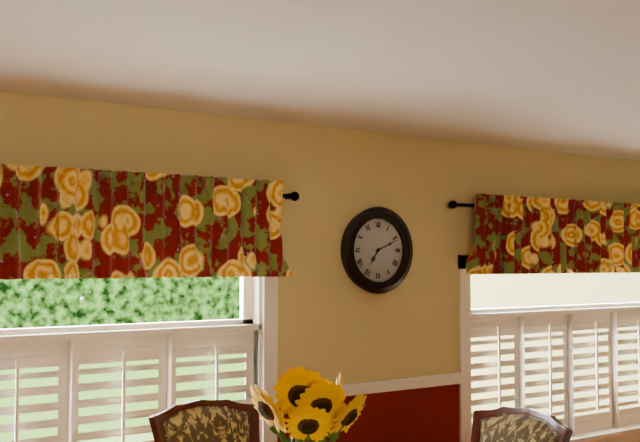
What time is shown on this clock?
7:11
